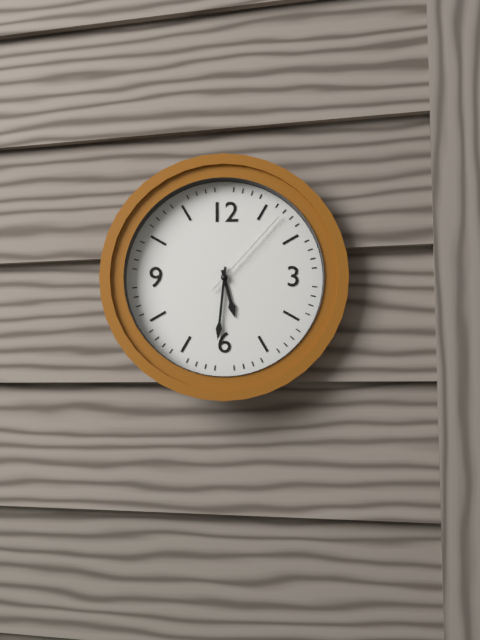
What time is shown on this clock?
5:31:07
